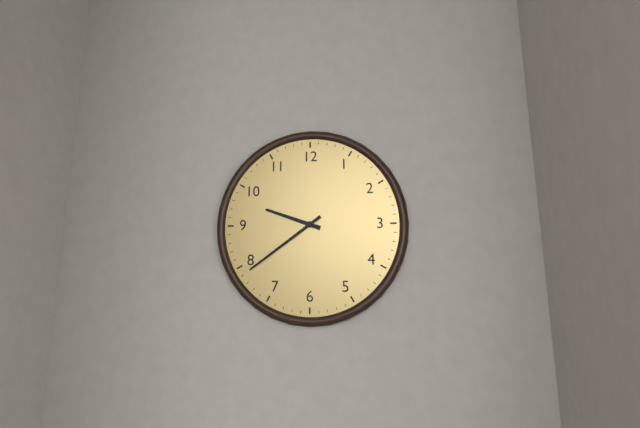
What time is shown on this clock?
9:39
